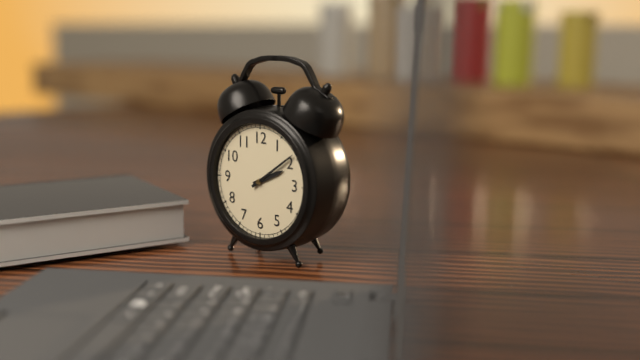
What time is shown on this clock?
2:09
